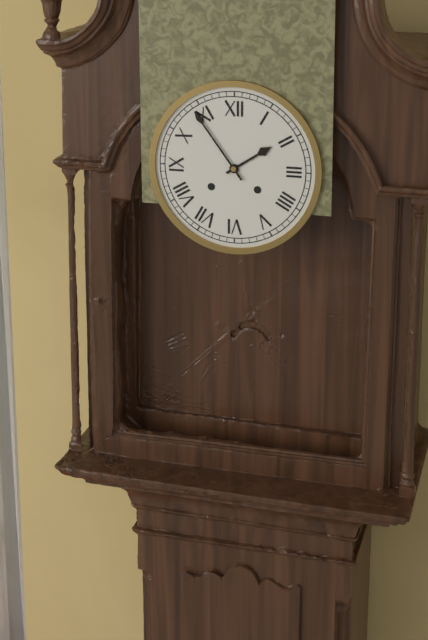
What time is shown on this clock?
1:54
